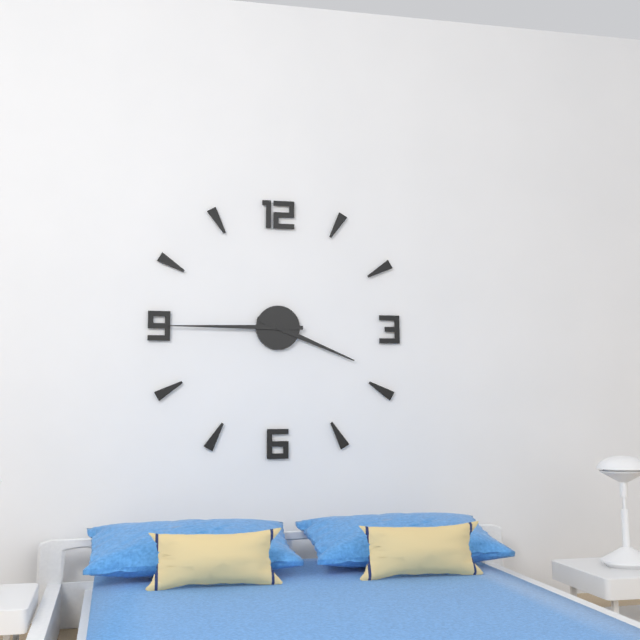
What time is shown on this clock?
3:45
